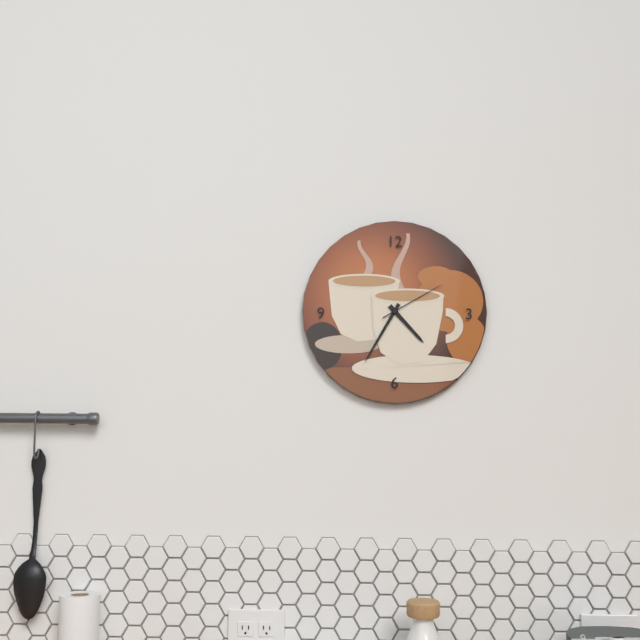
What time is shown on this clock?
4:35:10
